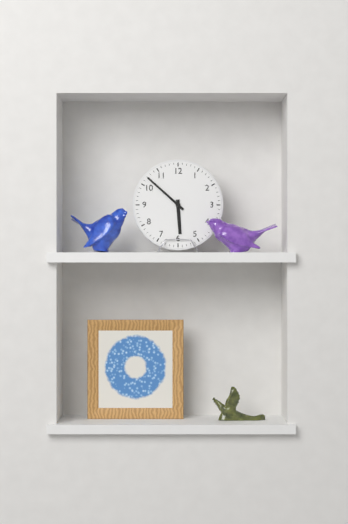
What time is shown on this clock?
5:52
